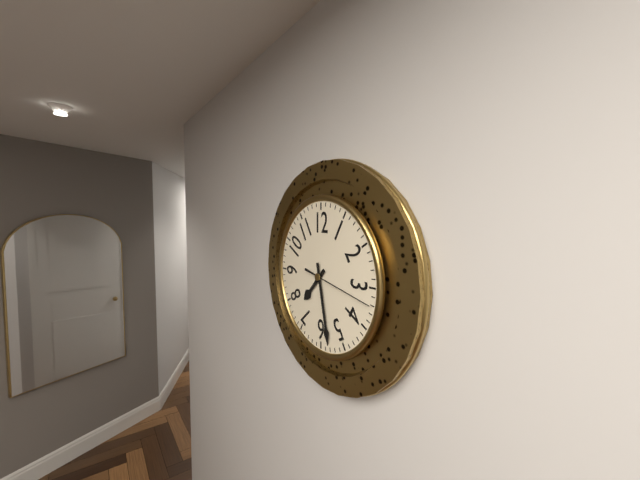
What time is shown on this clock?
7:28:17
